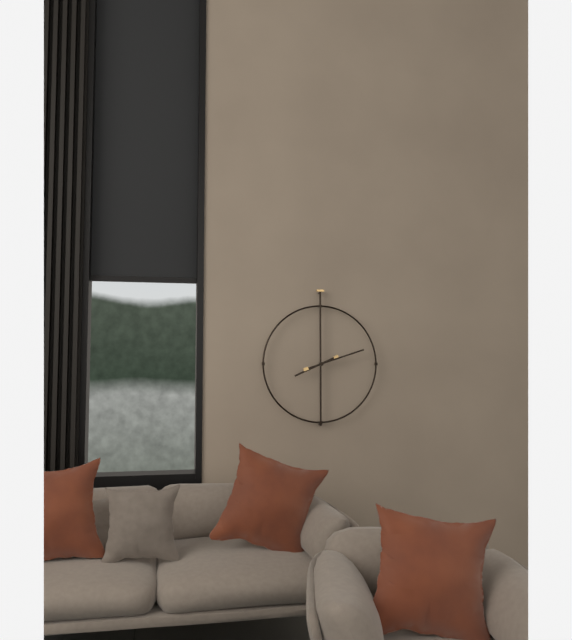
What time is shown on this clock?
8:12
